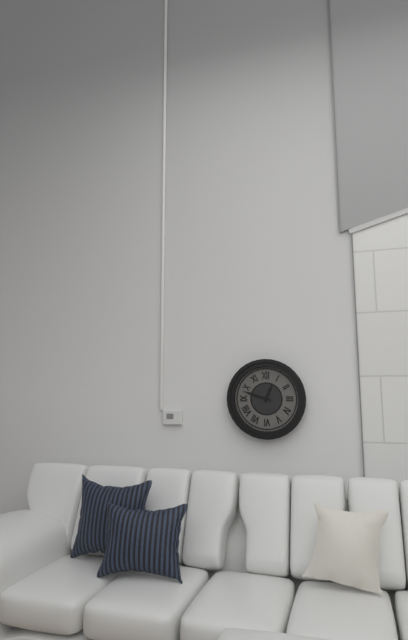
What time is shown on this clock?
12:48
